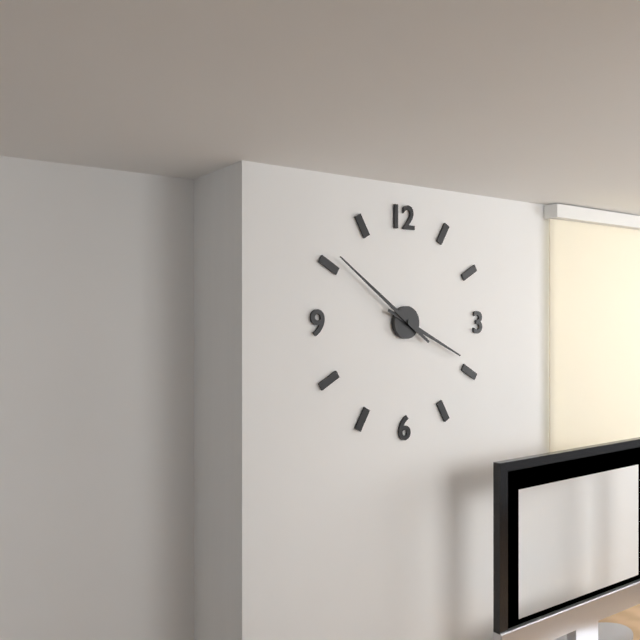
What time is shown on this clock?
3:51
